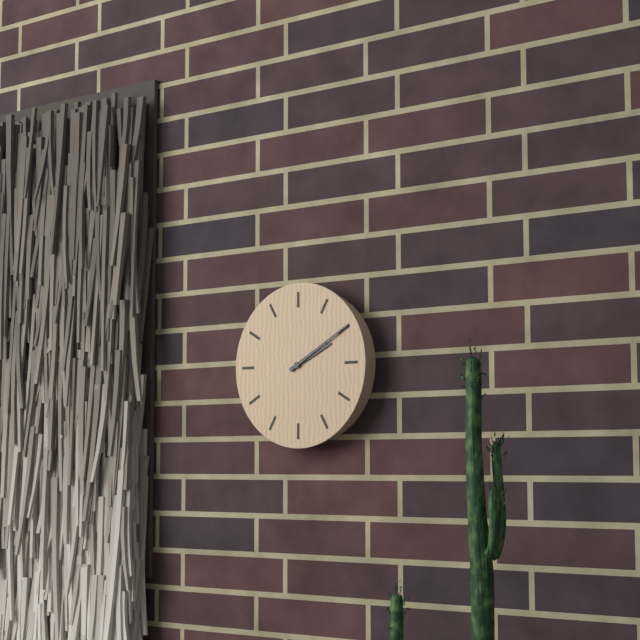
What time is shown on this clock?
2:10
